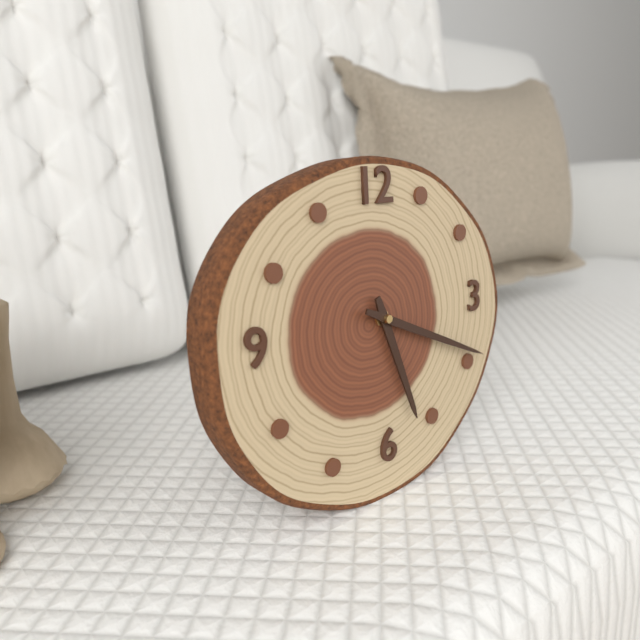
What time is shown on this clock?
5:19
